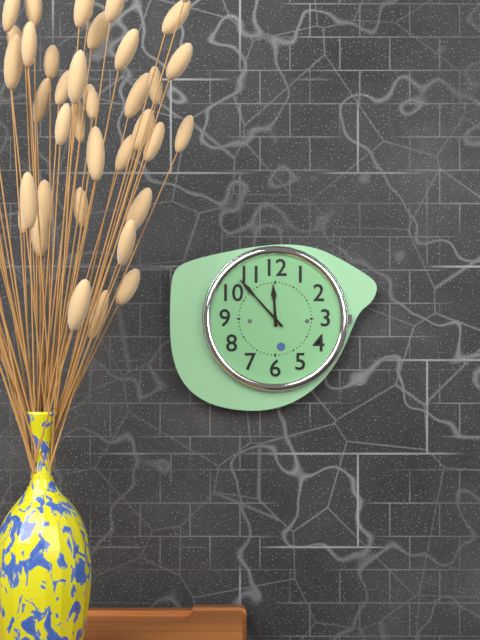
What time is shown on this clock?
11:53
